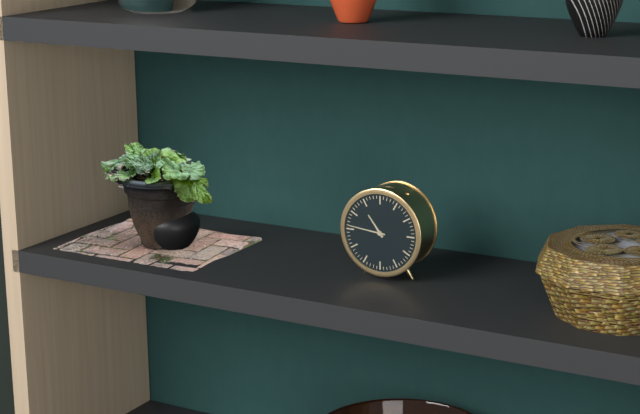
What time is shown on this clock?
10:46
